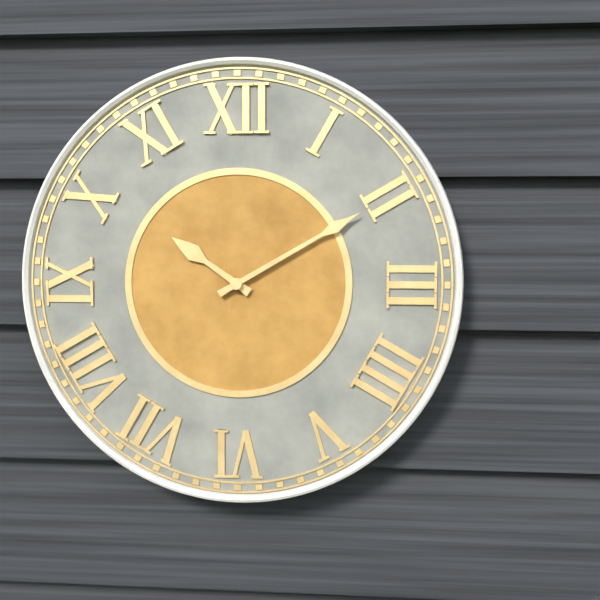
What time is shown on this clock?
10:10
